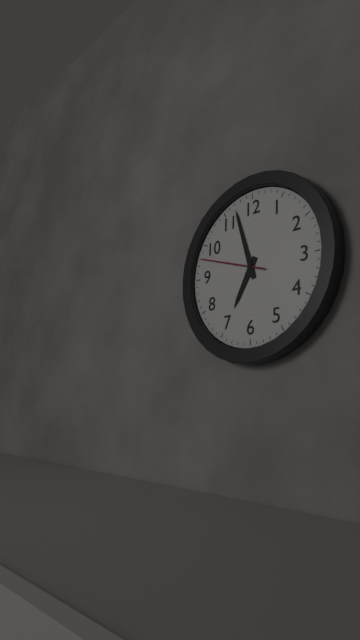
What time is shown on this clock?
6:57:48
